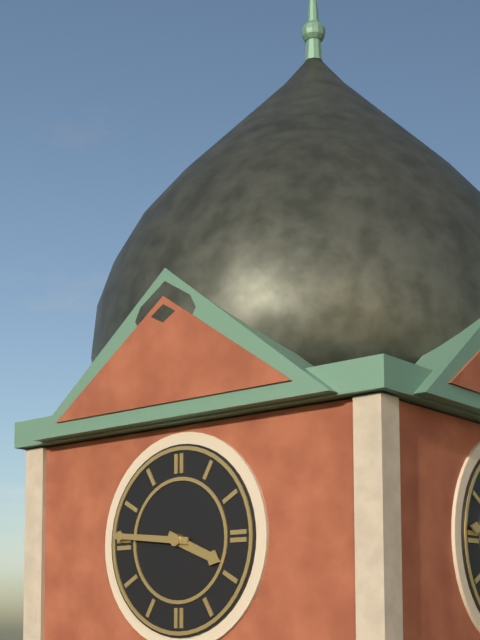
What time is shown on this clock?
3:46
